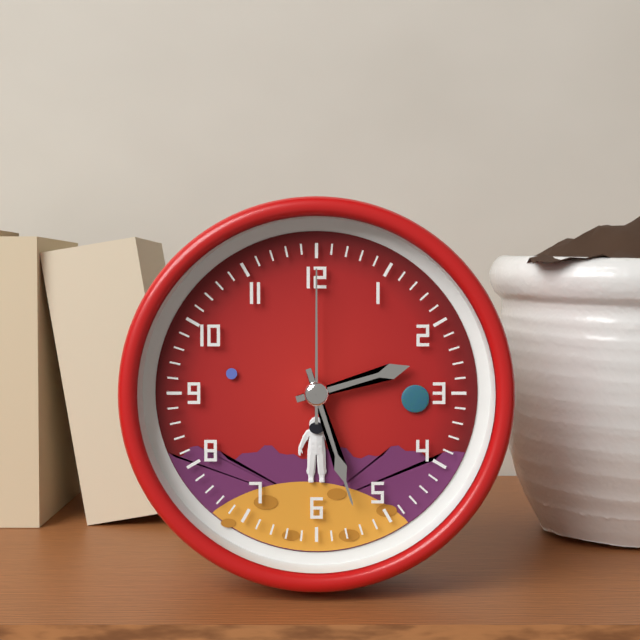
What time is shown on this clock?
2:27:00
